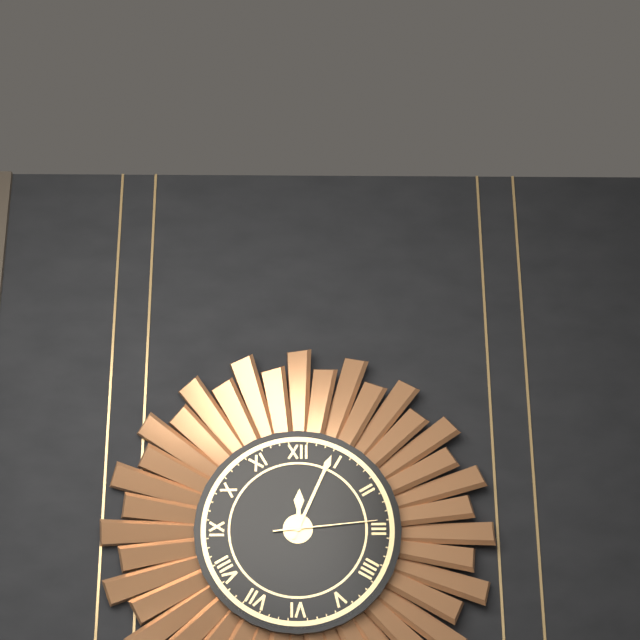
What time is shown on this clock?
12:04:14
